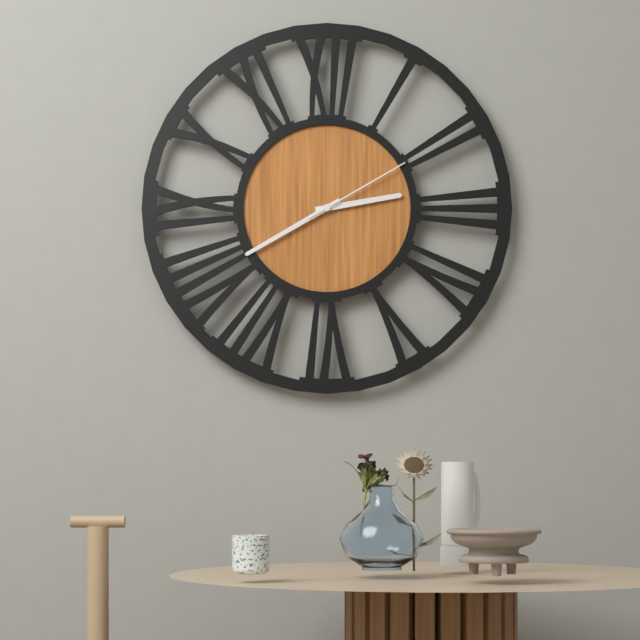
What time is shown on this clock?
2:40:10
